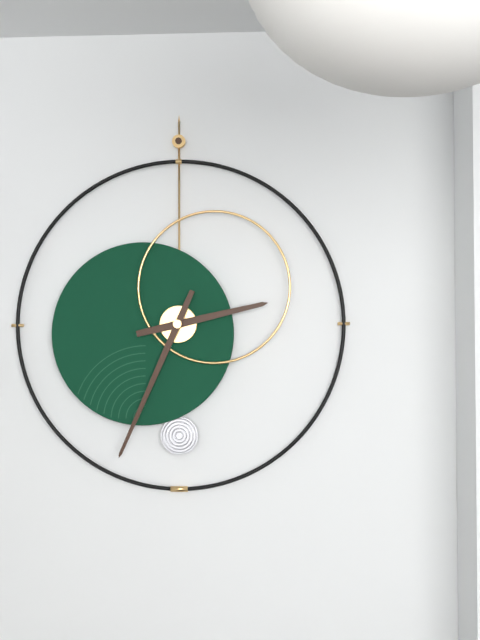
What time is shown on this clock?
2:34
